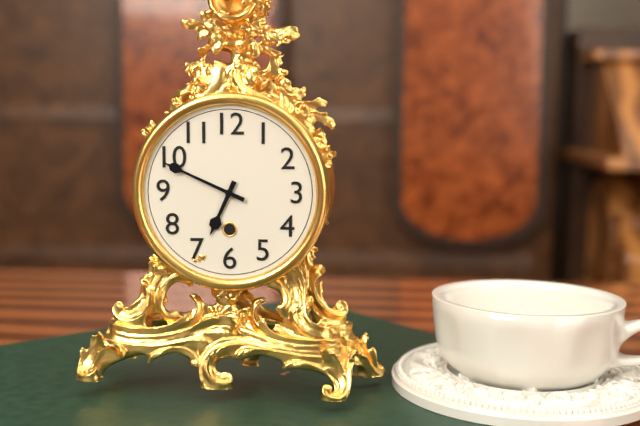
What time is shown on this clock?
6:49
